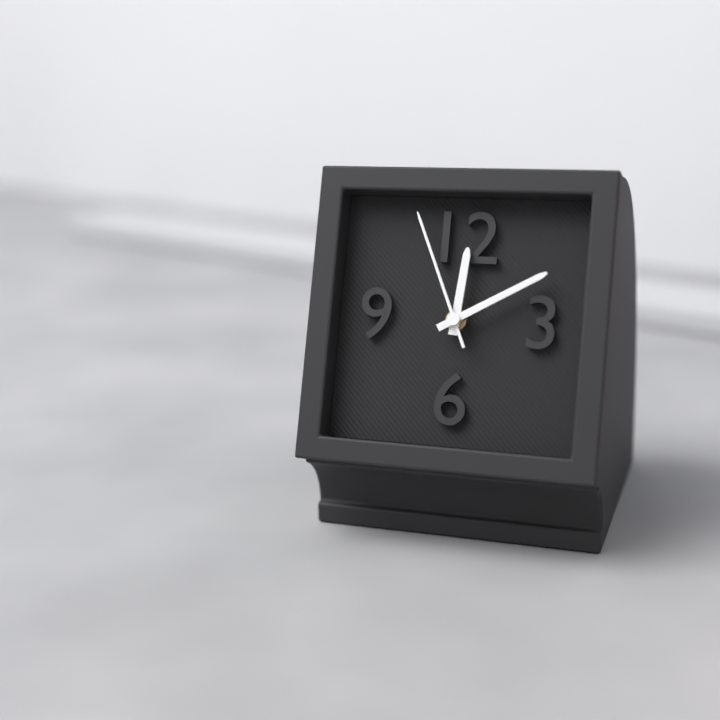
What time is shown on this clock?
12:10:56
